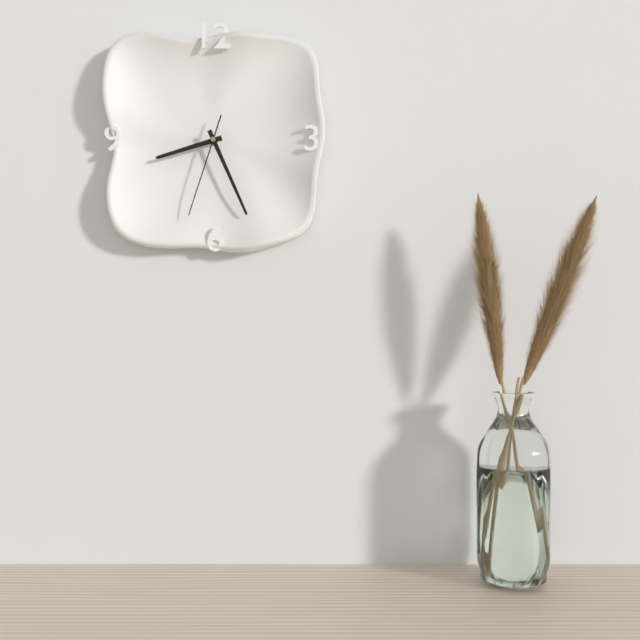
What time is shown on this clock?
8:26:33
